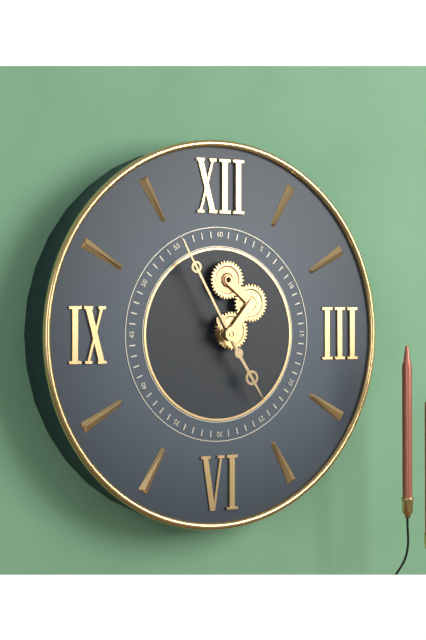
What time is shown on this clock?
4:55
